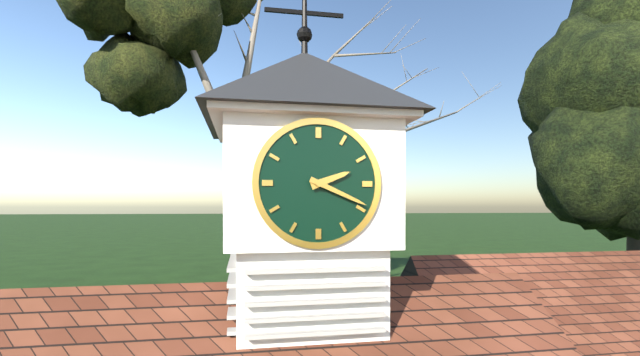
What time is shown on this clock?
2:19
